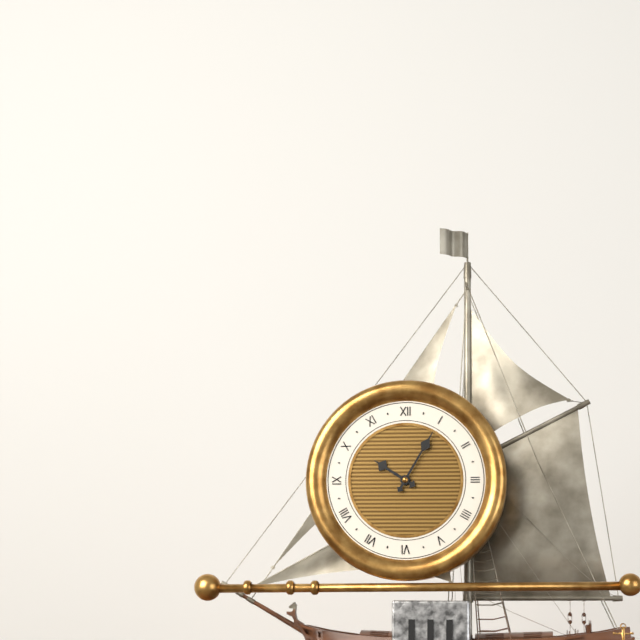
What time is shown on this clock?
10:05
